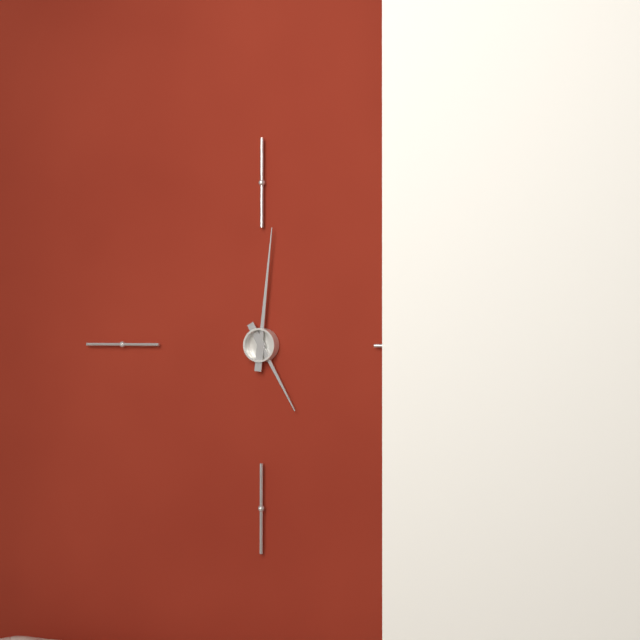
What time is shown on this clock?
5:01
